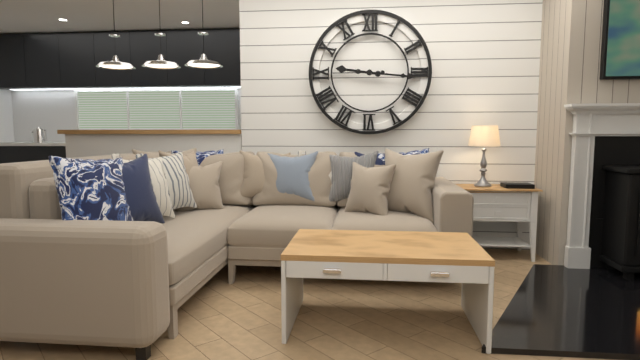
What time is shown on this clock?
9:16
